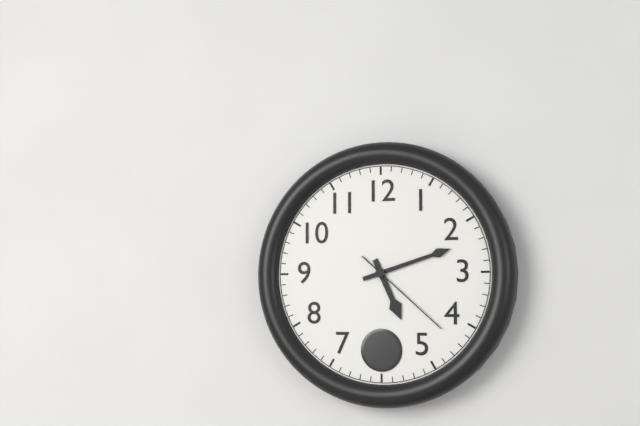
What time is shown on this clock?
5:12:22
